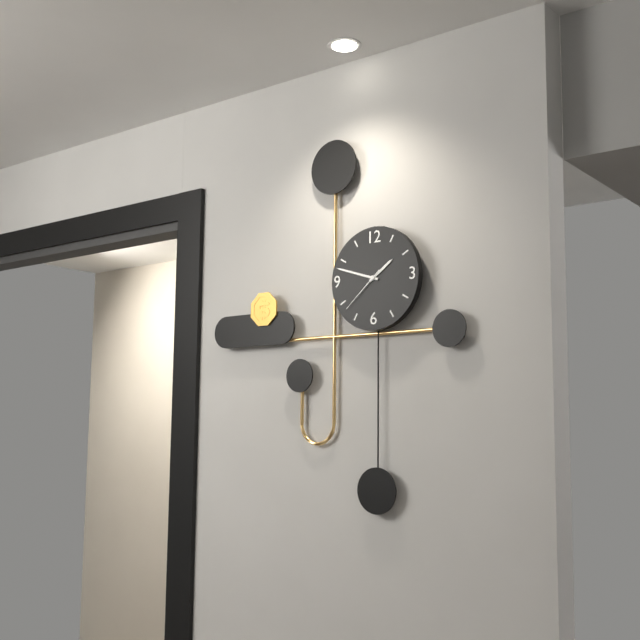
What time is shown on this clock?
1:48:38
